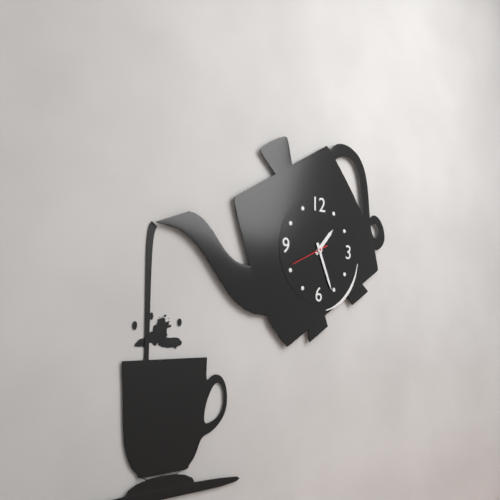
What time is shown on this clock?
1:26
